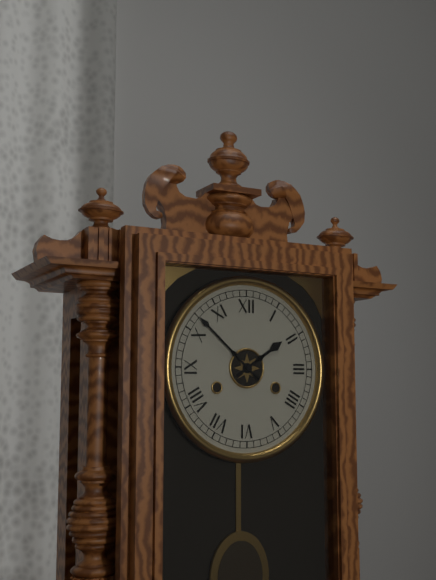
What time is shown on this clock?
1:52
